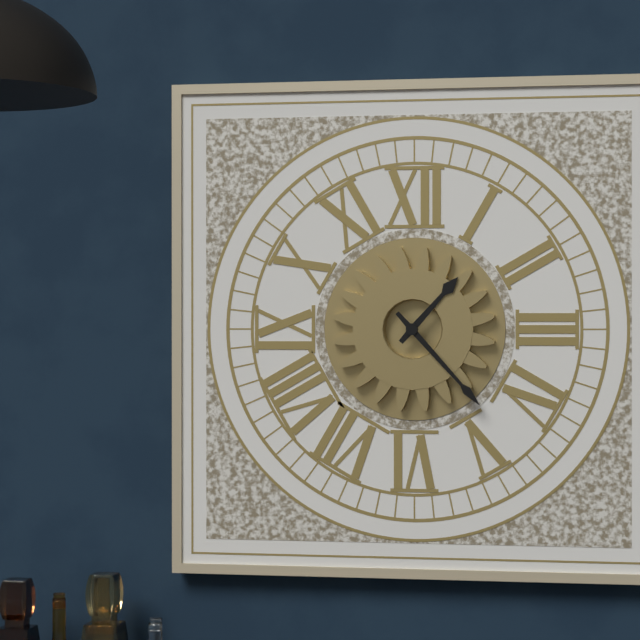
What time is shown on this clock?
1:23
